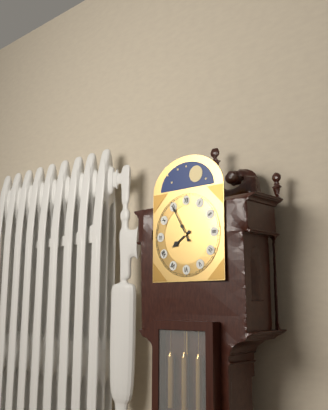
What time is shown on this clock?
7:55
